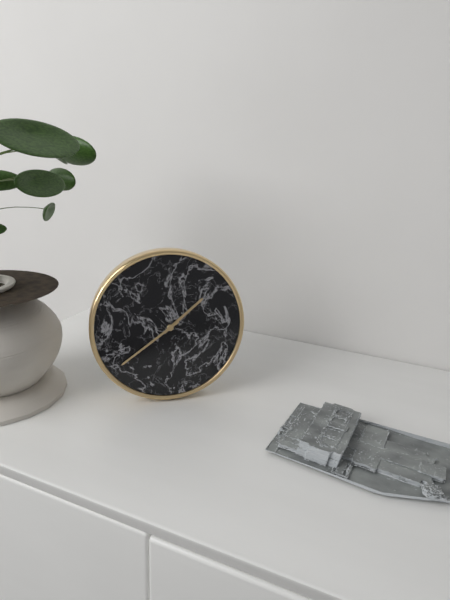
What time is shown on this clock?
1:39
